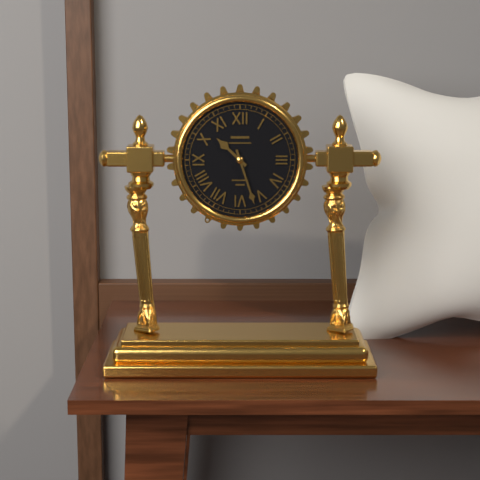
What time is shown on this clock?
10:27
